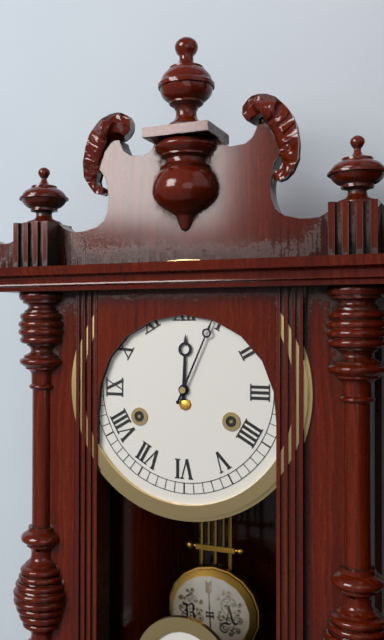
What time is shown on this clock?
12:04
